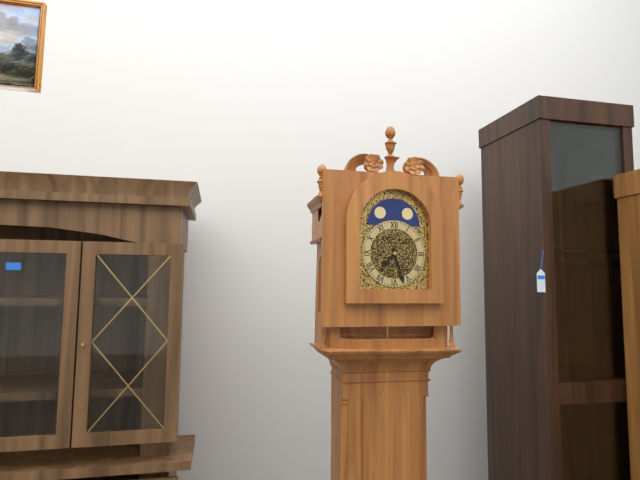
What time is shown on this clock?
7:27
